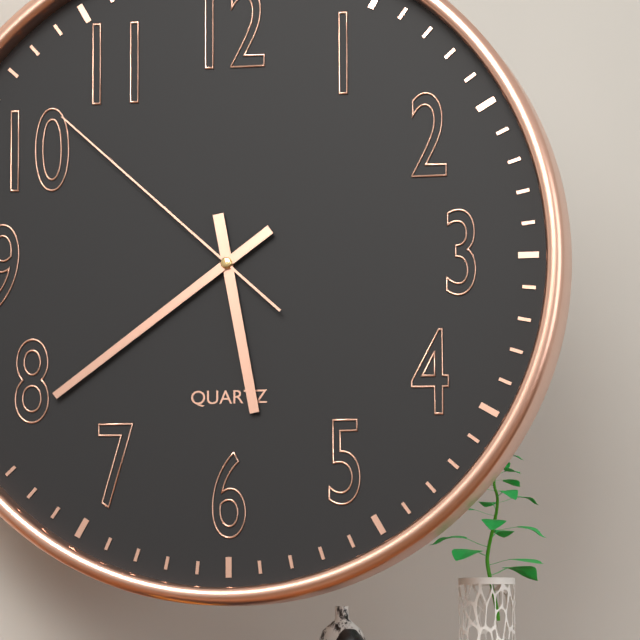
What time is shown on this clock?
5:39:52
